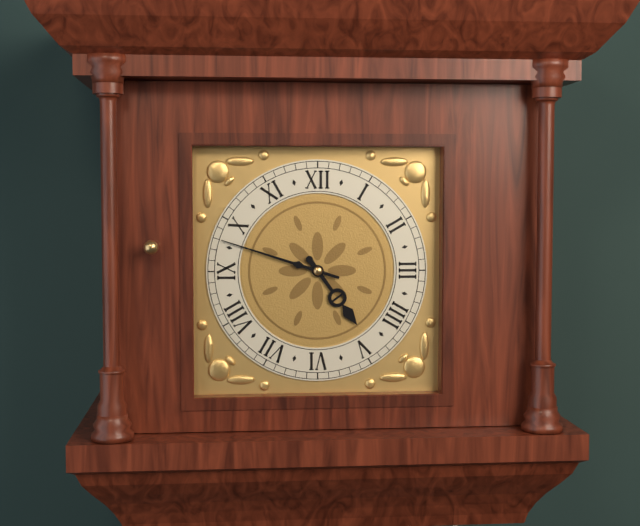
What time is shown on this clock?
4:48
